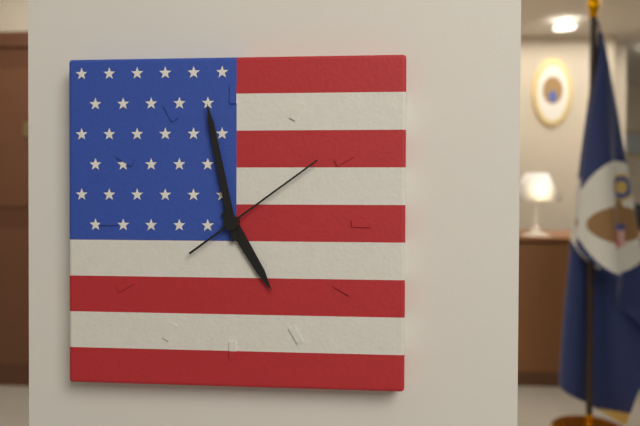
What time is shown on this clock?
4:58:09
